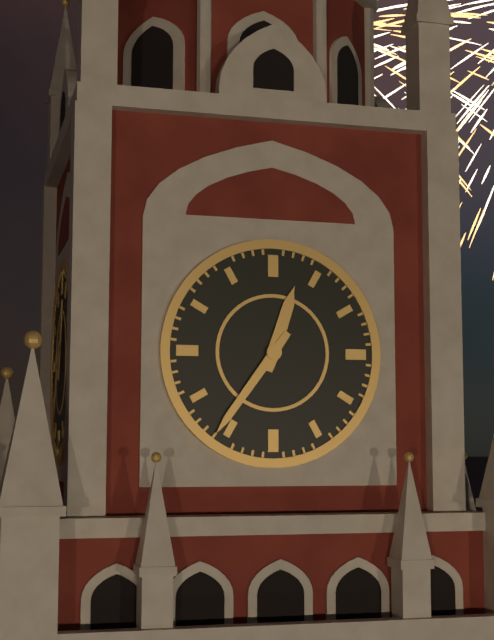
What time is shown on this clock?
12:36
